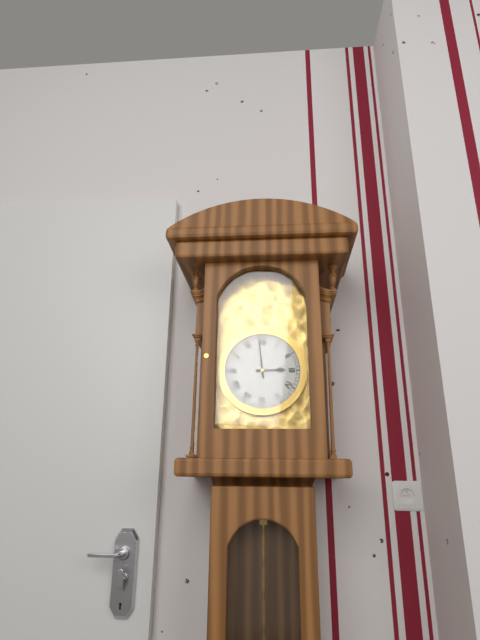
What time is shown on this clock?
2:59
